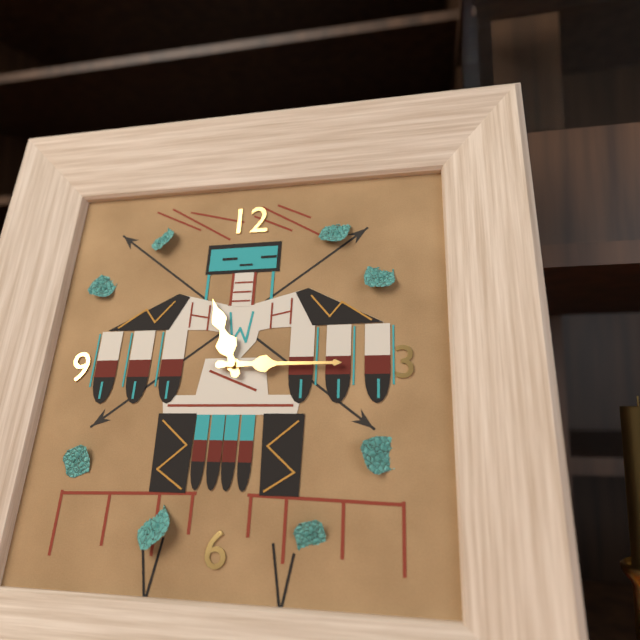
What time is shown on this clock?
11:15
